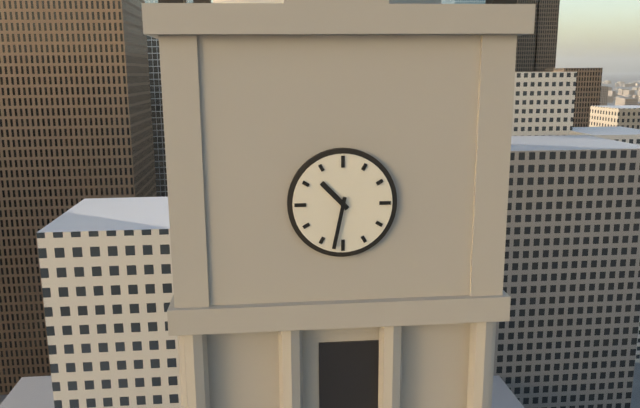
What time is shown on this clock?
10:32
